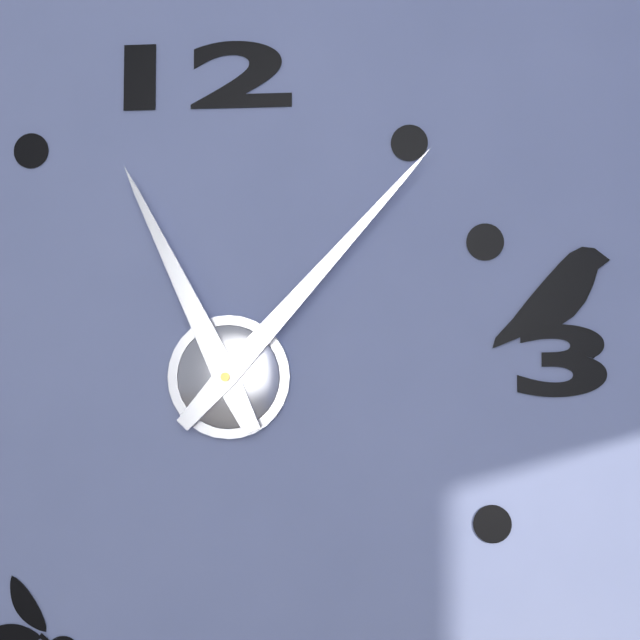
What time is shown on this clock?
11:07
